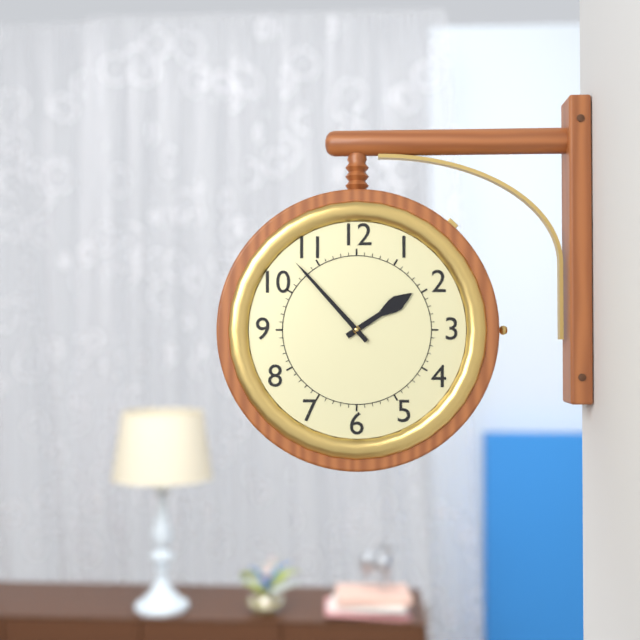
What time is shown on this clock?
1:53
